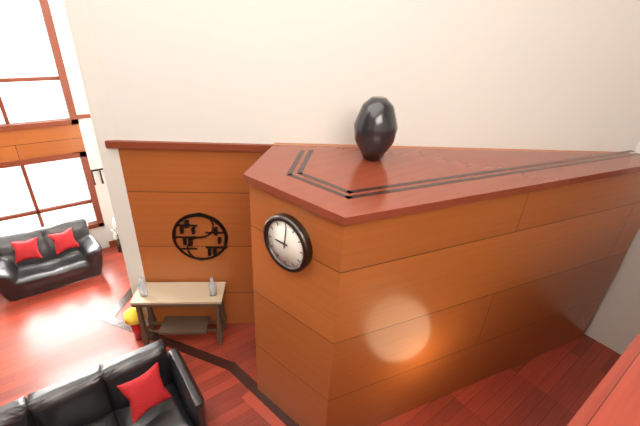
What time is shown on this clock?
9:01
